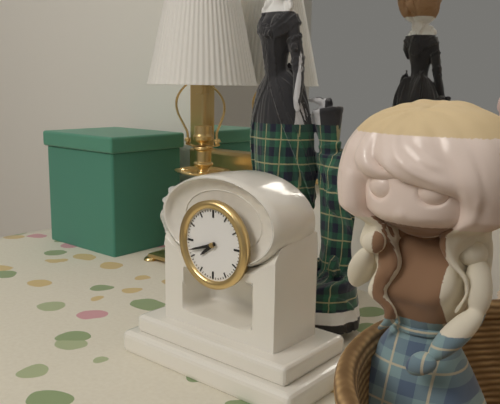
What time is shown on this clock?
7:42
